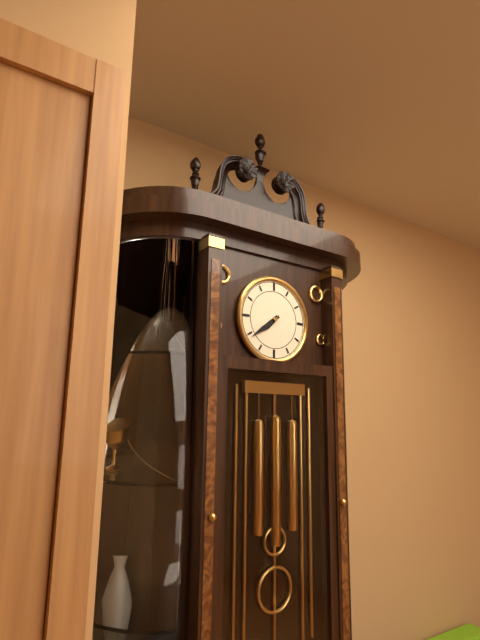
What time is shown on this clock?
7:39
